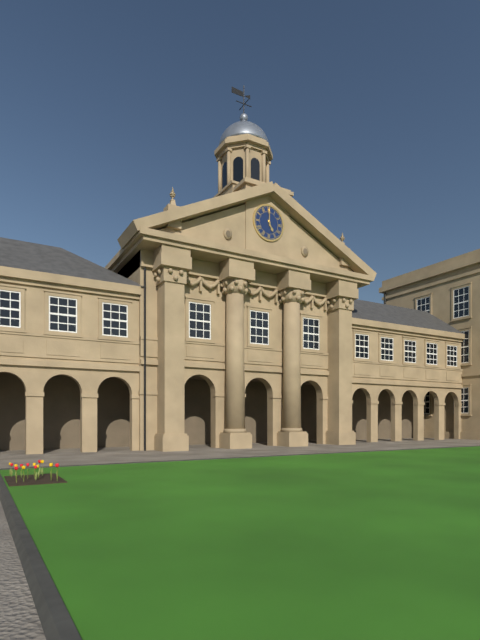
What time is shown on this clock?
5:00
